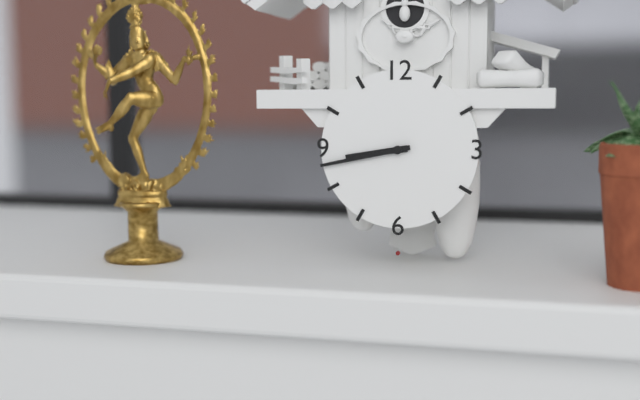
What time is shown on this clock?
8:43
